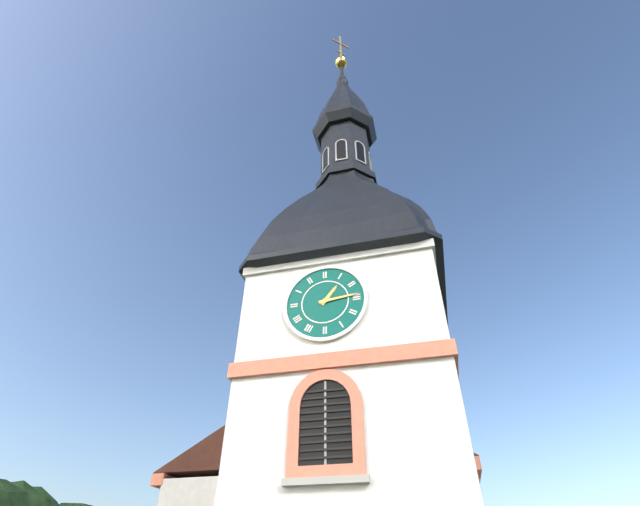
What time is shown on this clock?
1:14
